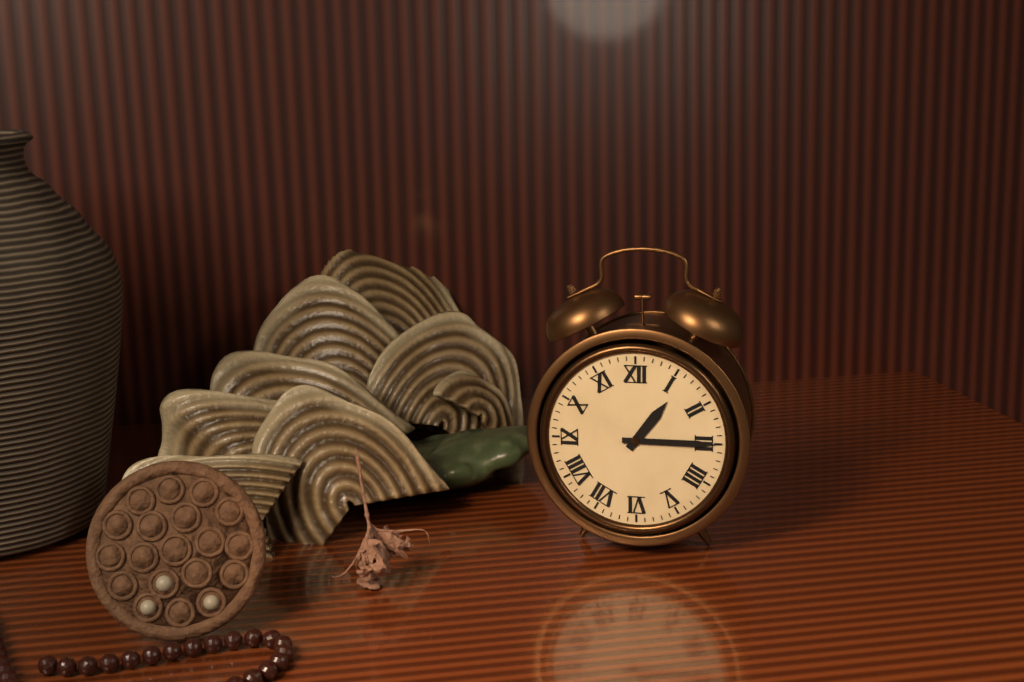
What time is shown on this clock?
1:15
